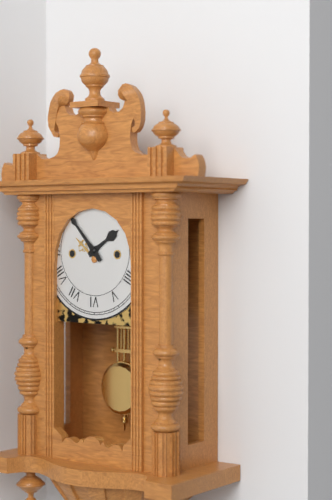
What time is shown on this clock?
1:53
